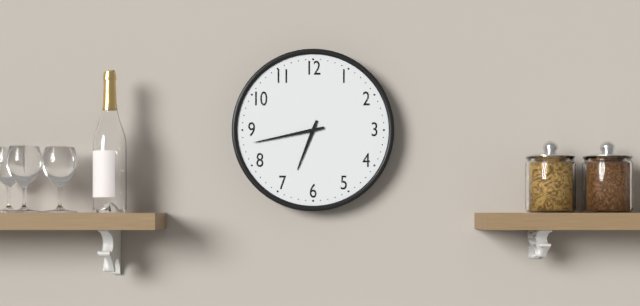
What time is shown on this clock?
6:43
